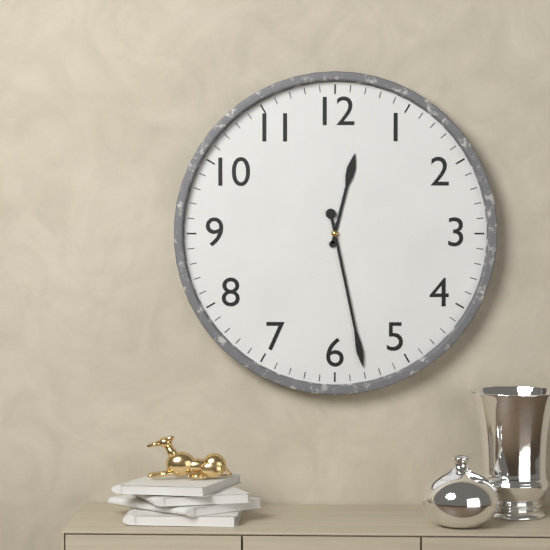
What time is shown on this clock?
12:28
